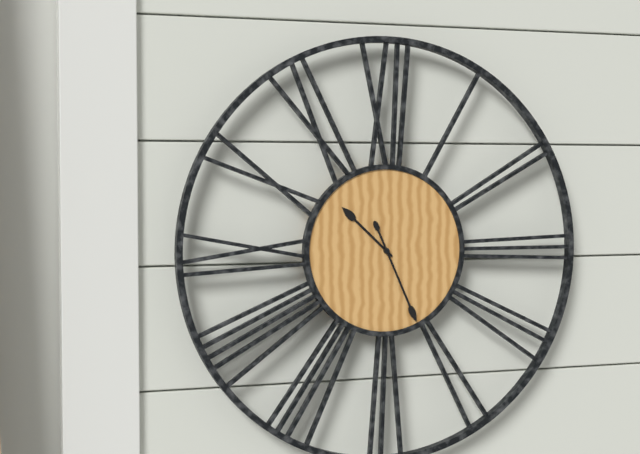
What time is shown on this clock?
10:26
